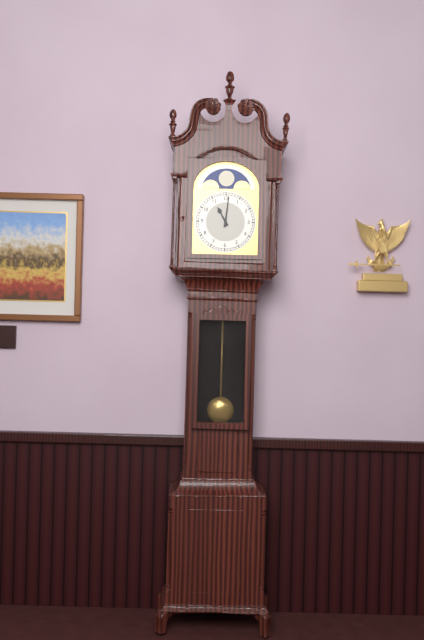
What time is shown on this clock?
11:01
